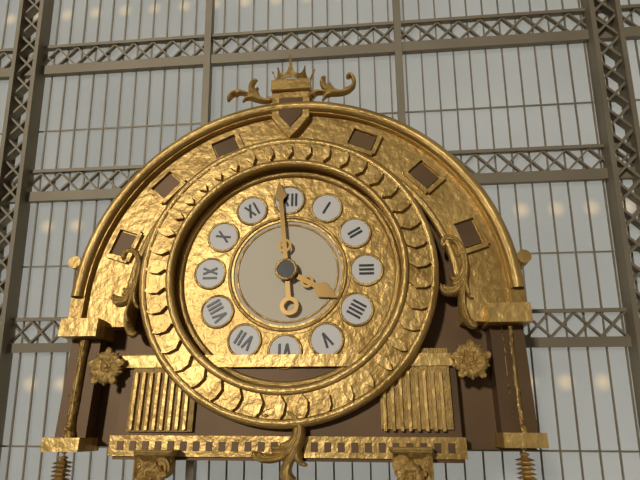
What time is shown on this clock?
3:59
